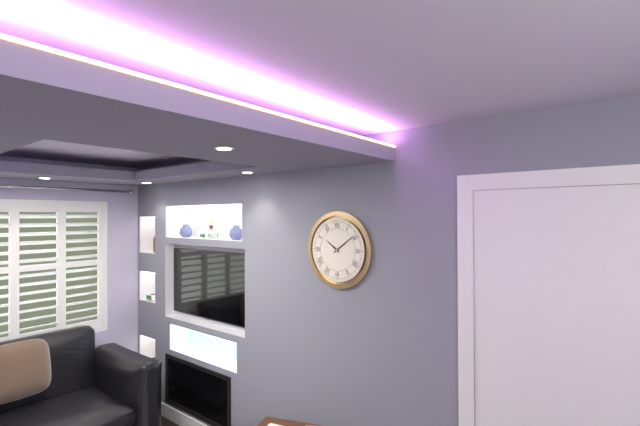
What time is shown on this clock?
10:09
